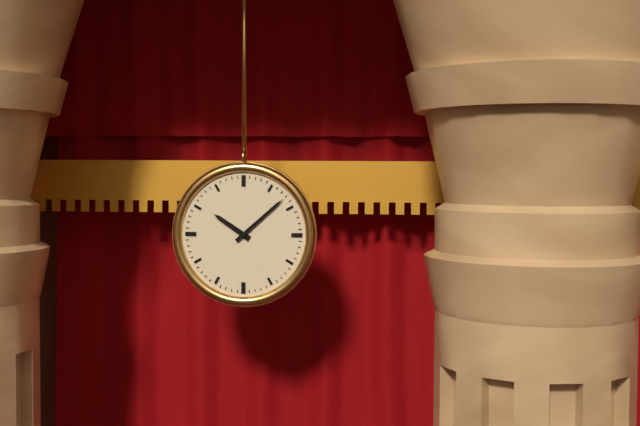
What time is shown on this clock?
10:08
